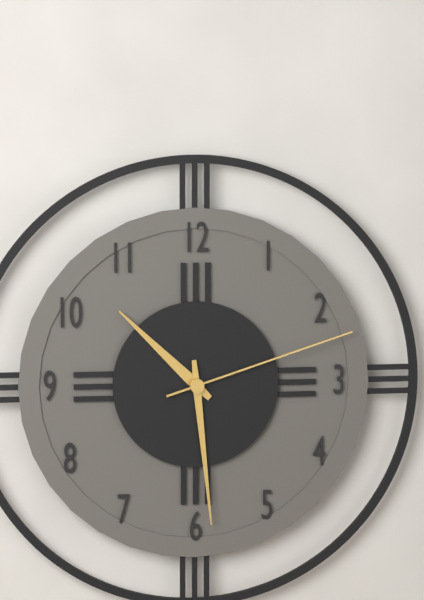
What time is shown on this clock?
10:29:12
